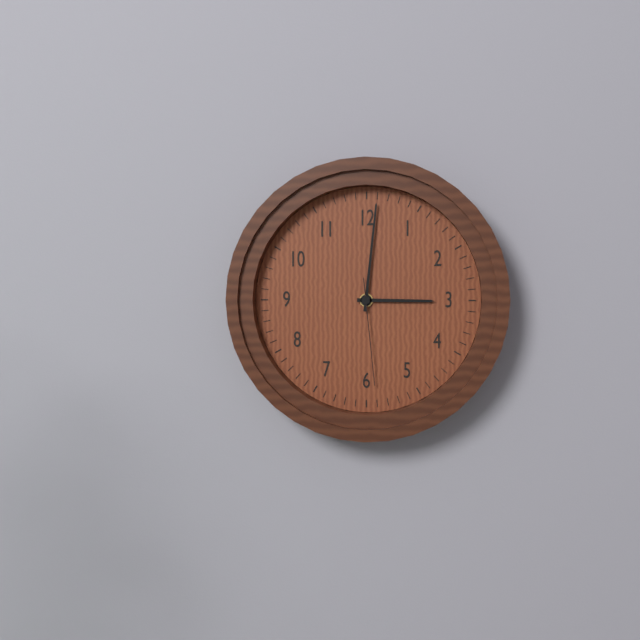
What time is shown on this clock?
3:01:29
